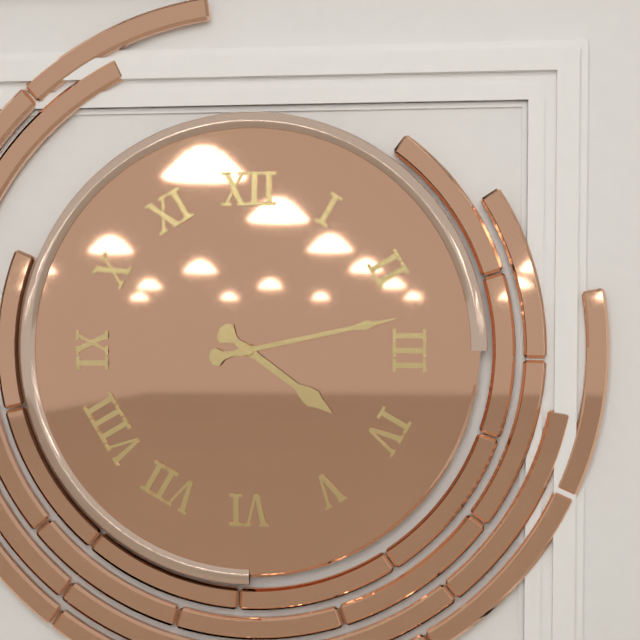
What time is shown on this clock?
4:13
